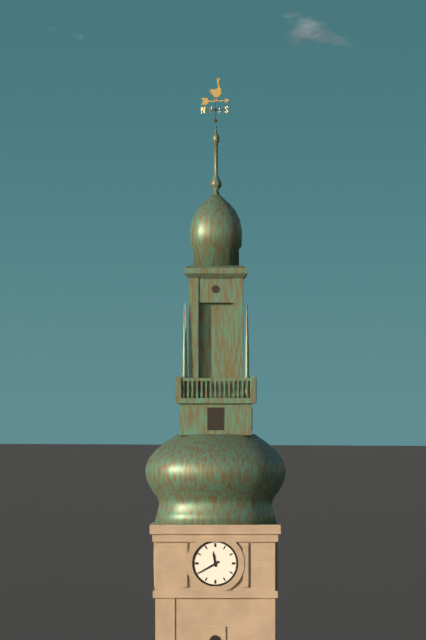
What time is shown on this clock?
11:40
